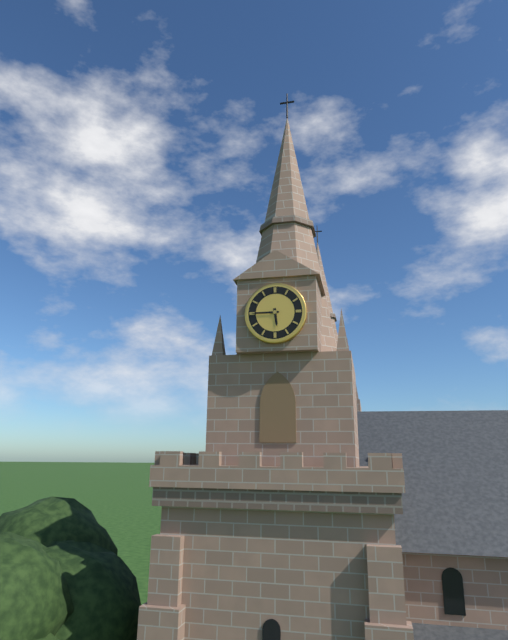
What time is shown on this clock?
5:45
